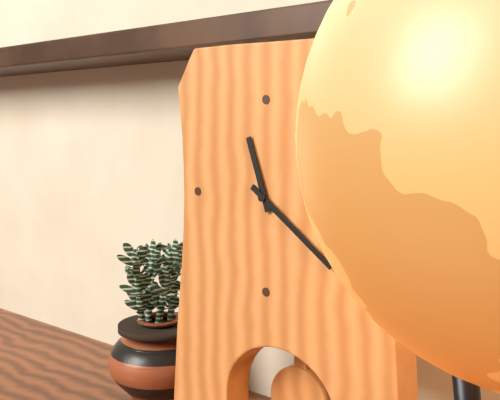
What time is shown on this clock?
11:21
